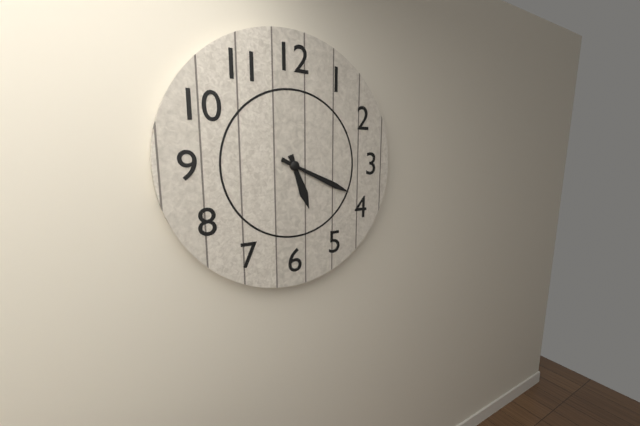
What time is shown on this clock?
5:19
